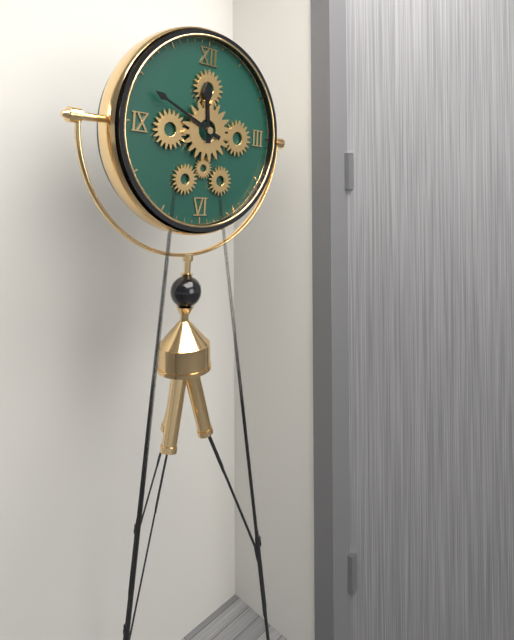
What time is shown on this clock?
11:49
